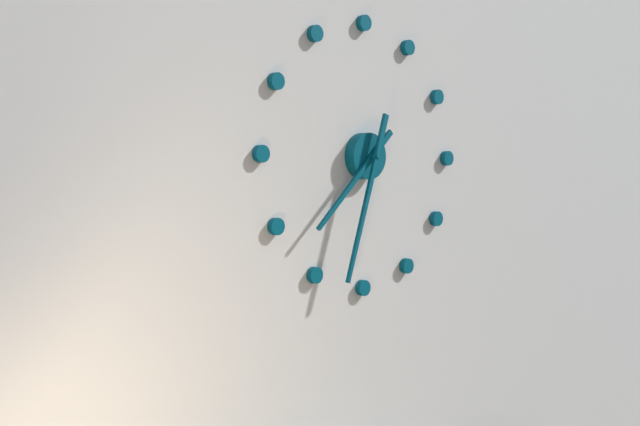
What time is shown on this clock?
7:33
